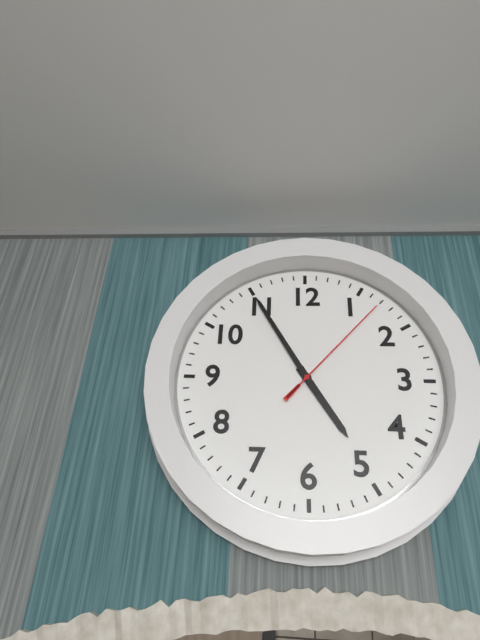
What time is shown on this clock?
4:55:07
